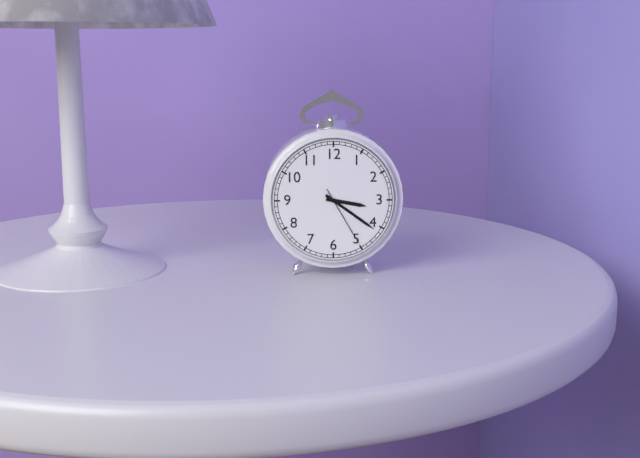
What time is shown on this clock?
3:21:25
